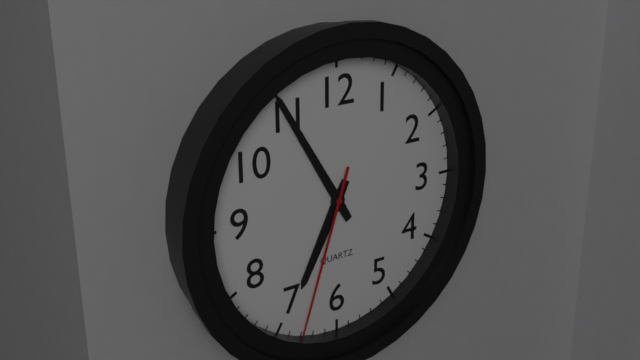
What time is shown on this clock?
6:55:33
